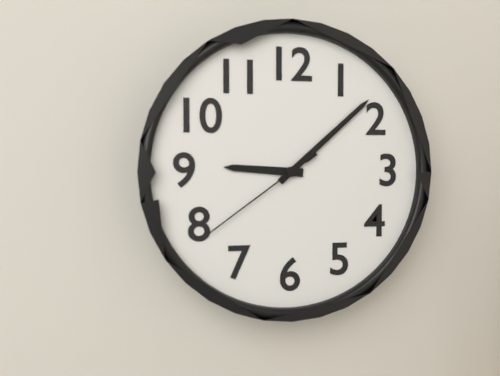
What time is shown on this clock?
9:08:39
